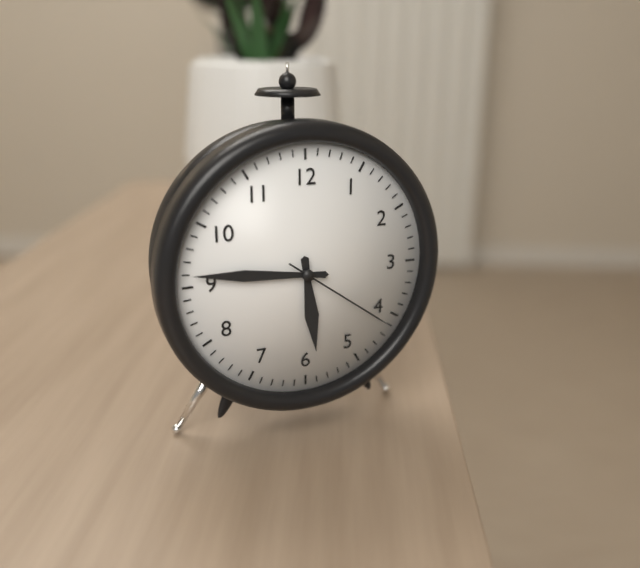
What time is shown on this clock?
5:46:21
